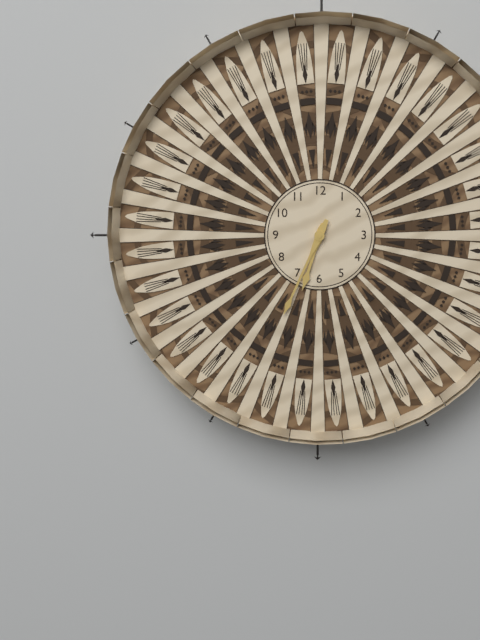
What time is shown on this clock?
6:34
